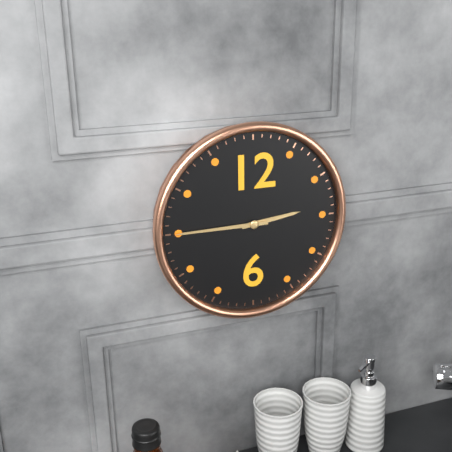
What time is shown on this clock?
2:45
